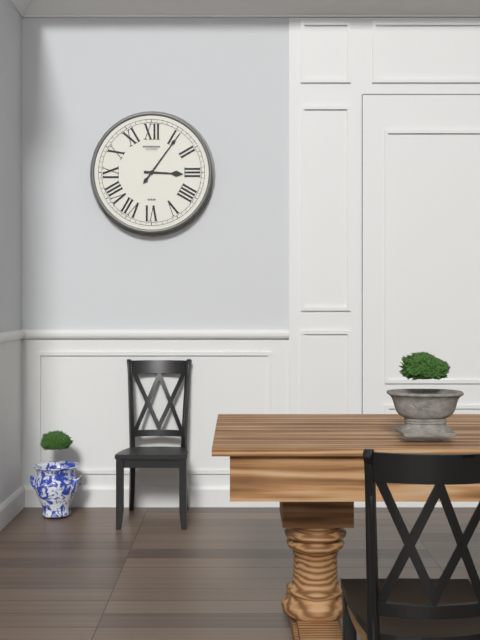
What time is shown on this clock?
3:06
